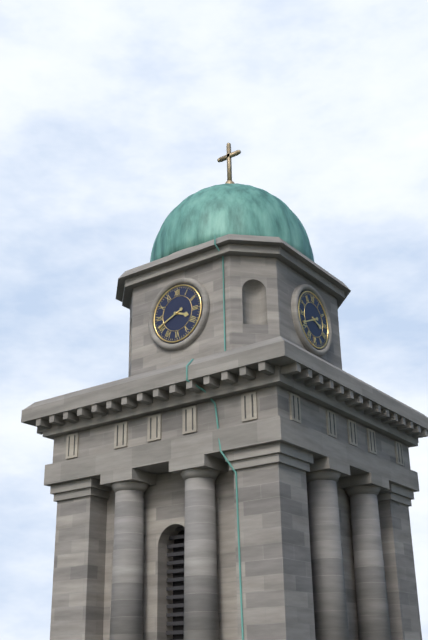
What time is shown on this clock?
3:41
